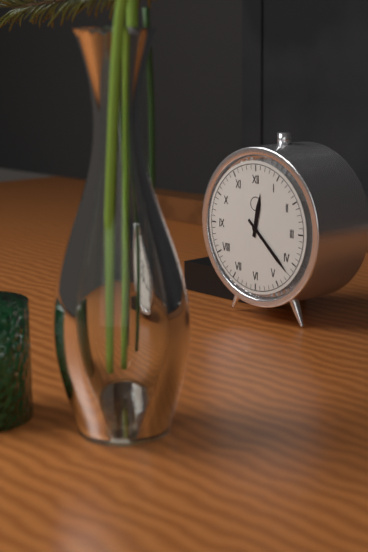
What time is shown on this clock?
12:22
